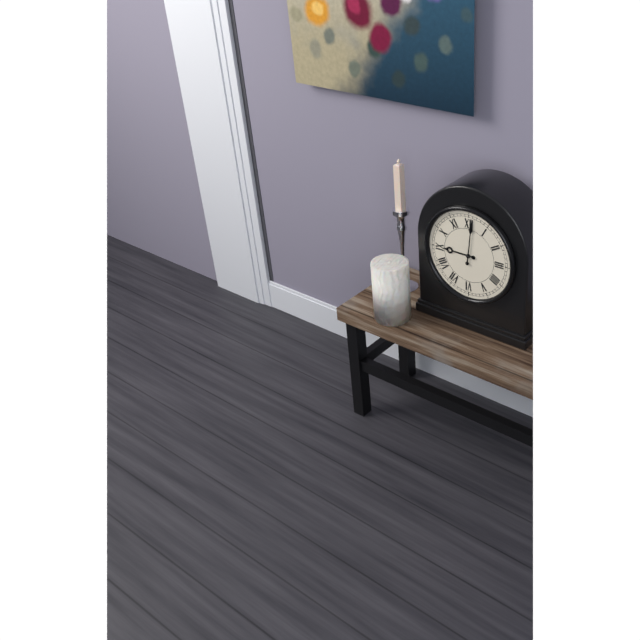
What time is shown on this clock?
9:01
